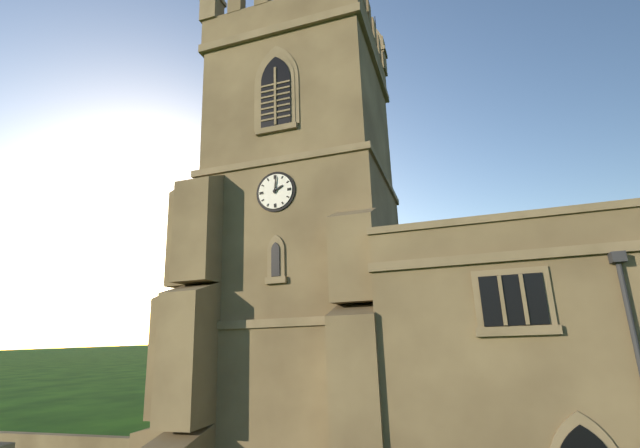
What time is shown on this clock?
2:01
